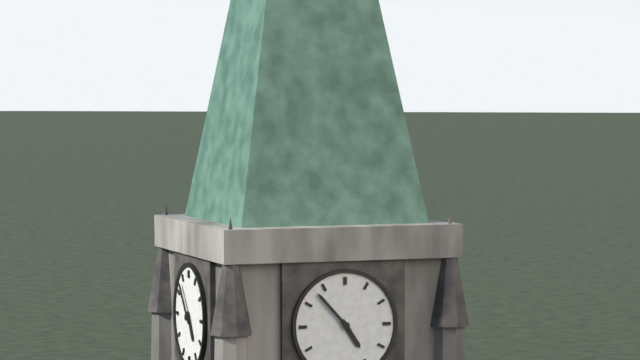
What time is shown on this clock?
4:53
